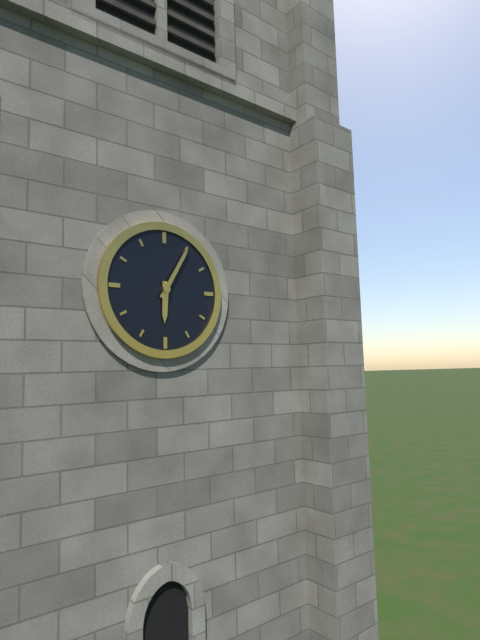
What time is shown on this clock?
6:05
